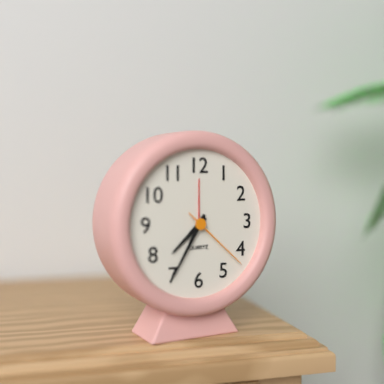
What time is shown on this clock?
7:35:22
